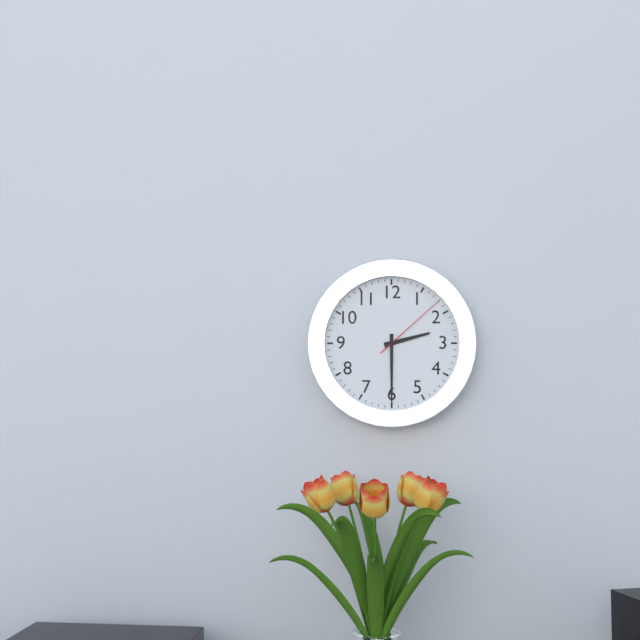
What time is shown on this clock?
2:30:08
